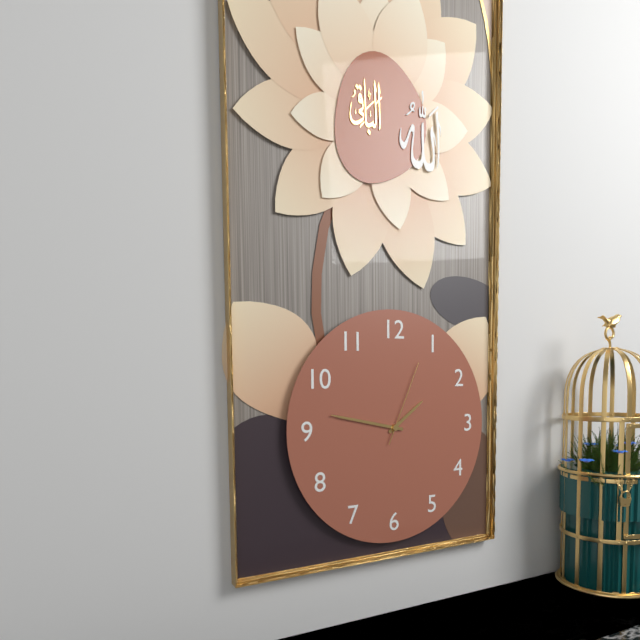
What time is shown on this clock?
1:47:04
